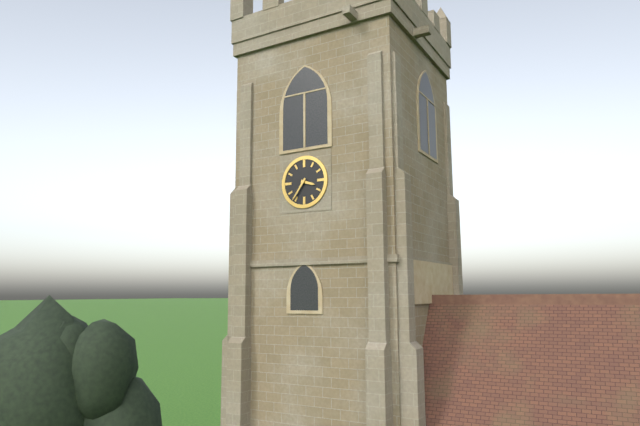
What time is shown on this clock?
3:36
